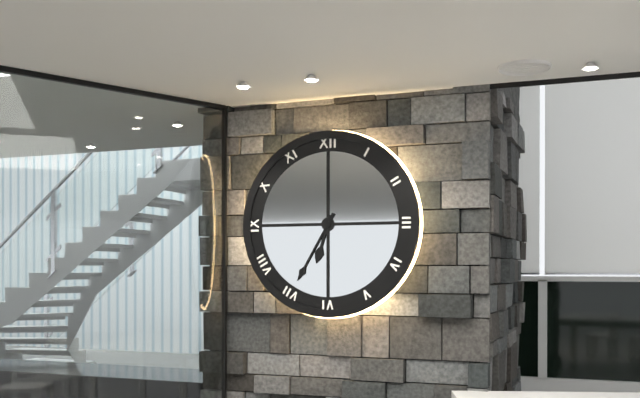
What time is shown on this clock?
6:35
